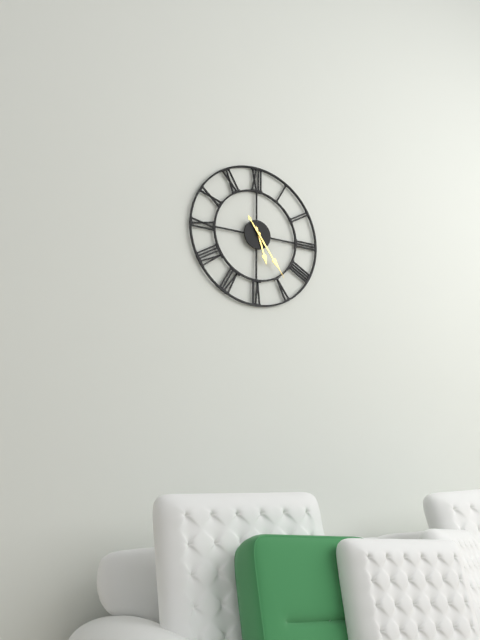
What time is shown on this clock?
5:24
